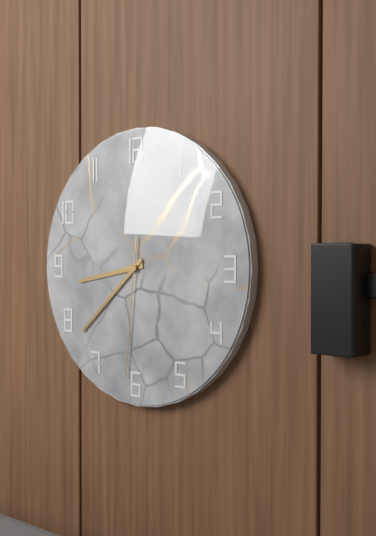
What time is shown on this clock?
8:38:31
